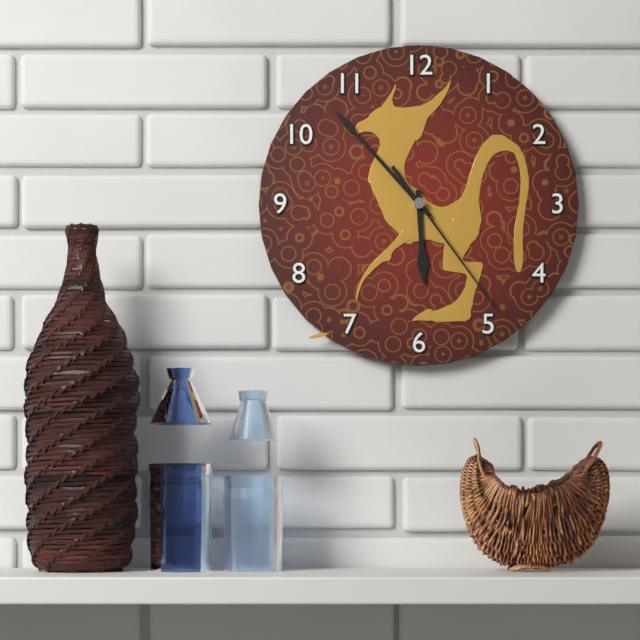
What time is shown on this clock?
5:53:24
